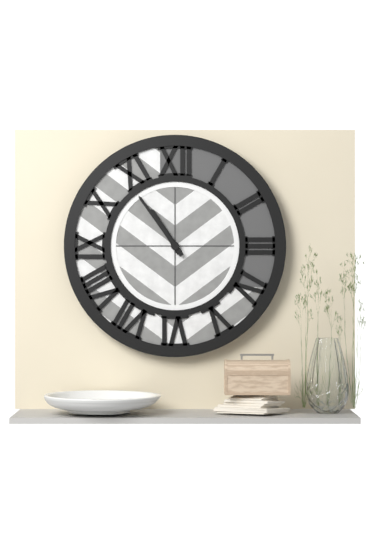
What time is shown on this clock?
10:54
